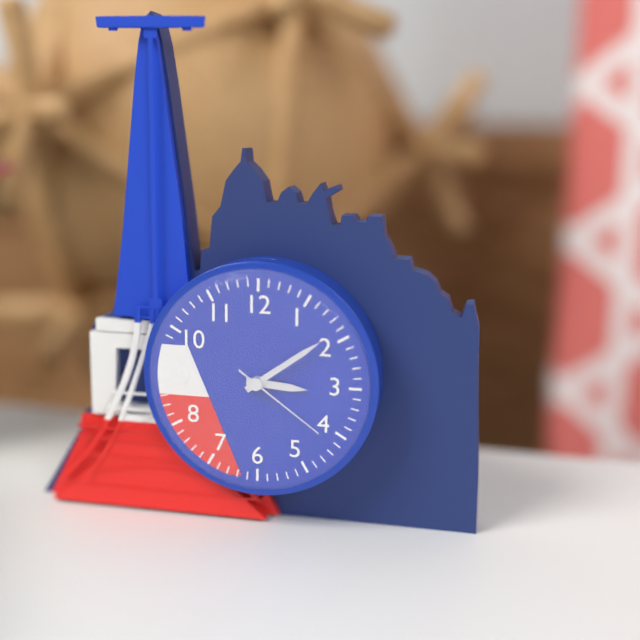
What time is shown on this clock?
3:09:21
